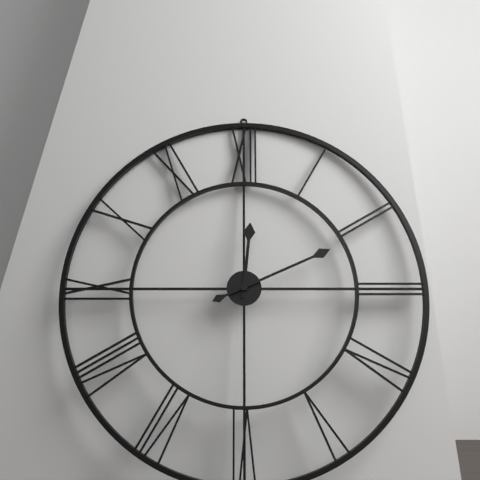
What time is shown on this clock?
12:11
